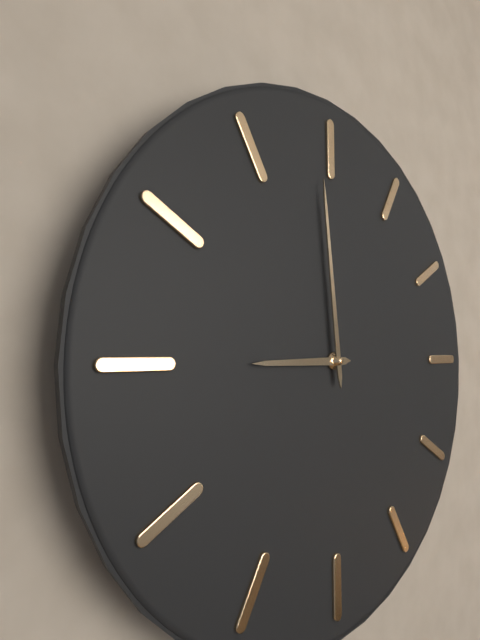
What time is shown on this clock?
8:59
